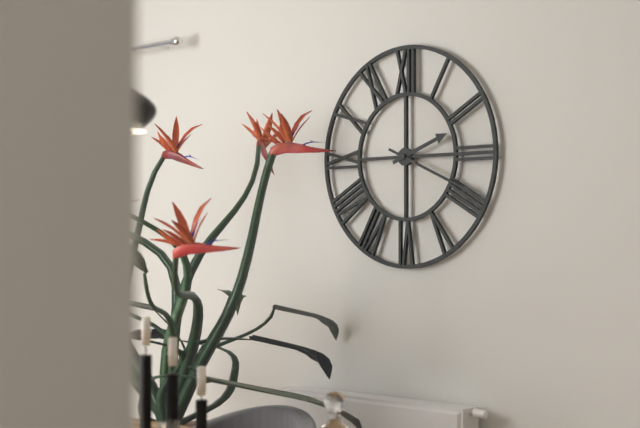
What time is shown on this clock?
2:19
